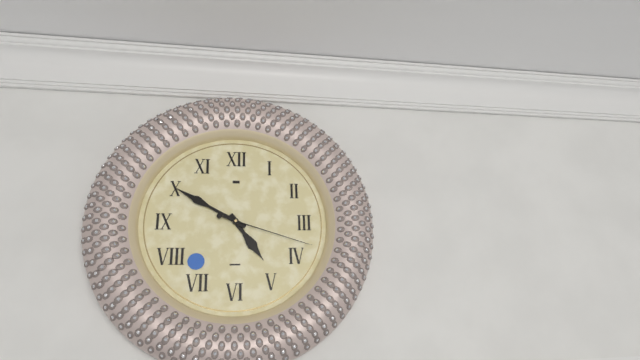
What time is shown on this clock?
4:50:18
